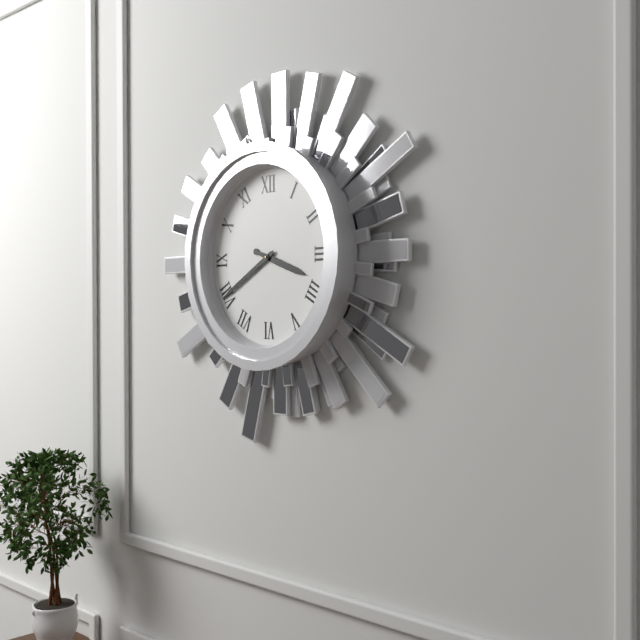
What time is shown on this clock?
3:40
